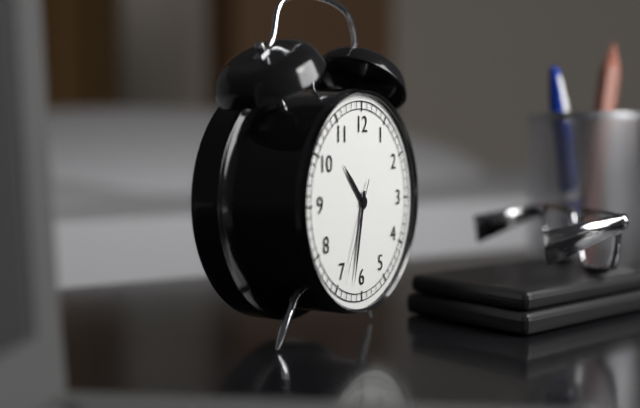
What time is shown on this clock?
10:32:34
